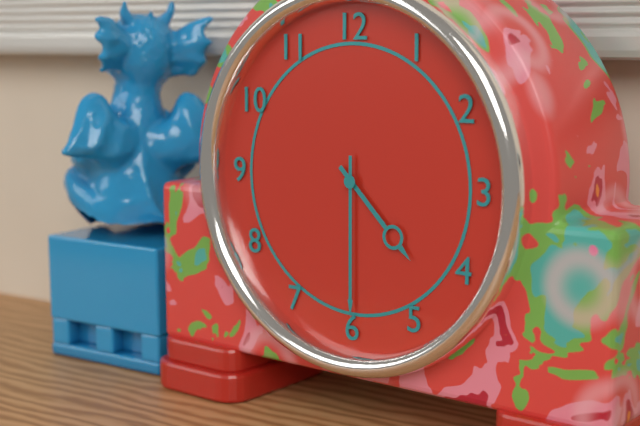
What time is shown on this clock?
4:30
